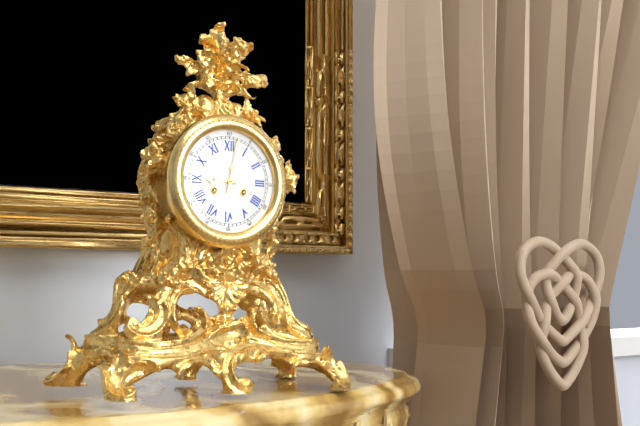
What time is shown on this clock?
9:02
